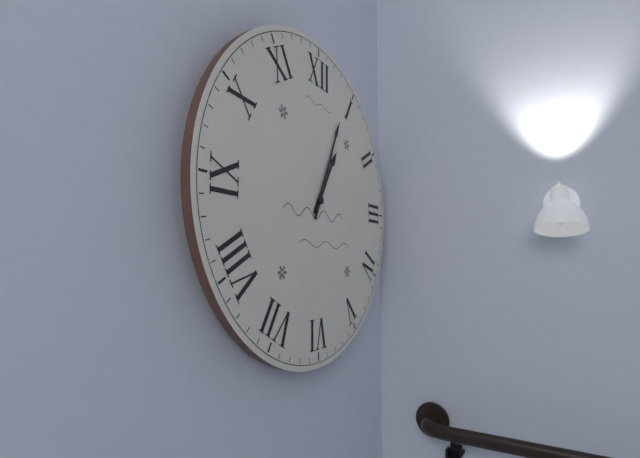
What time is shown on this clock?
1:04
